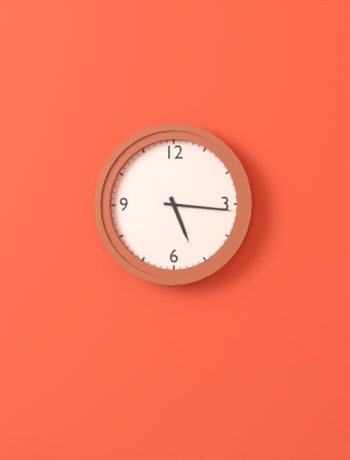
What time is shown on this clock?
5:16
